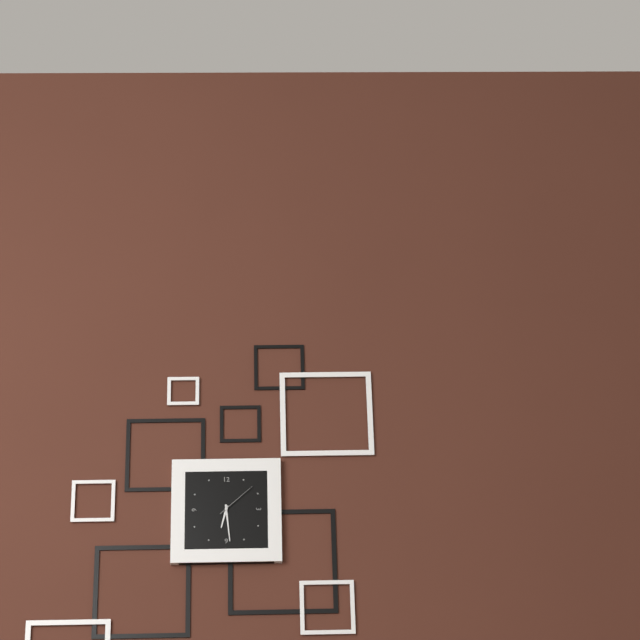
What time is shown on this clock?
6:29
